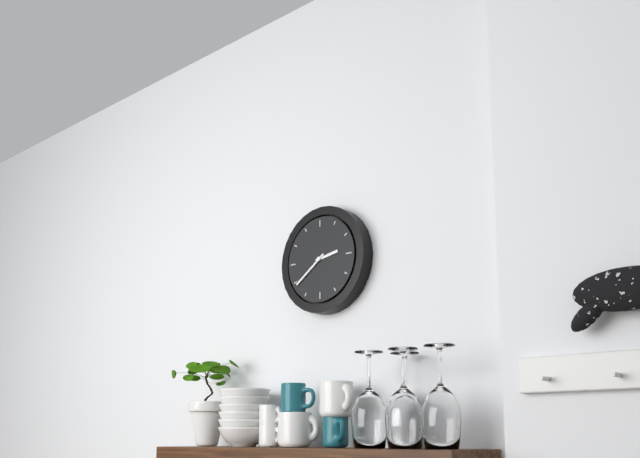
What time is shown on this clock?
2:39
